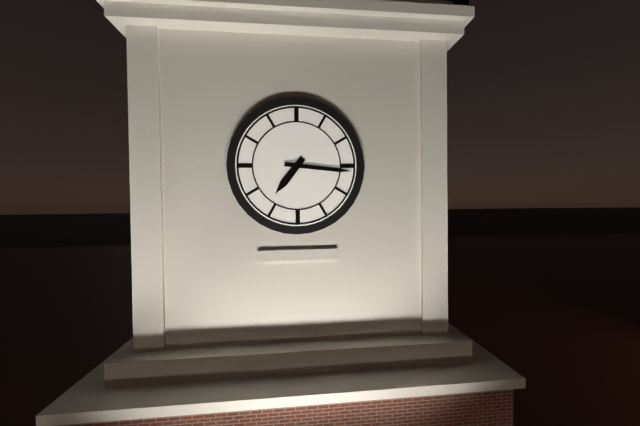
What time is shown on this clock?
7:16
